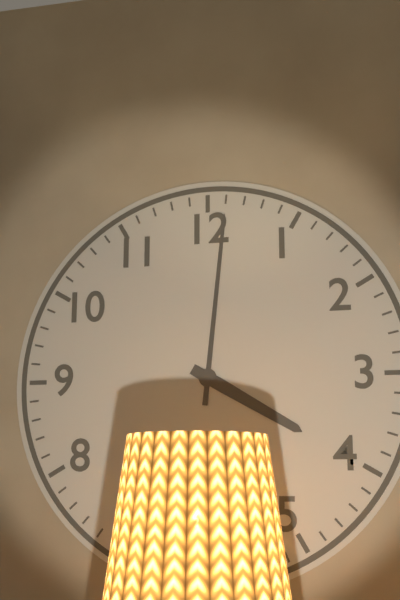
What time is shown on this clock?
4:01
